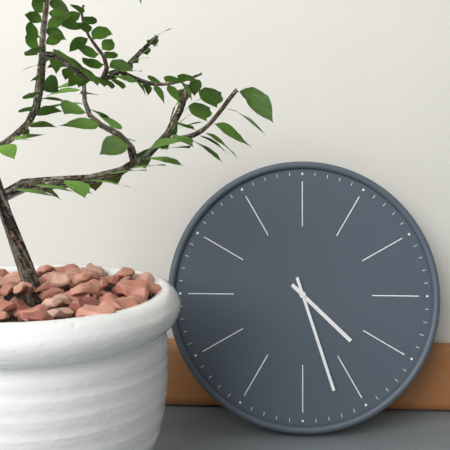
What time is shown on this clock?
4:27
